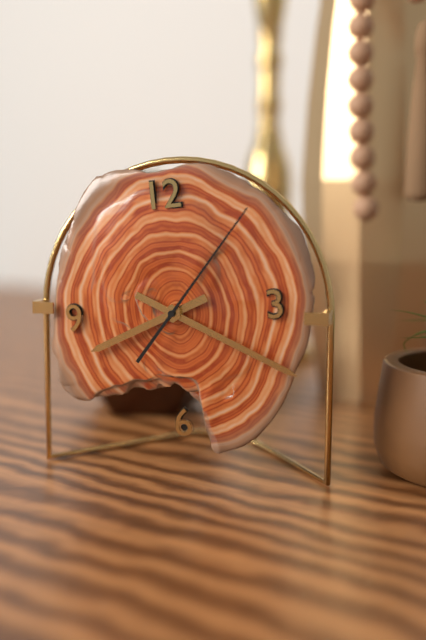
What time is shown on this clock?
8:20:07
